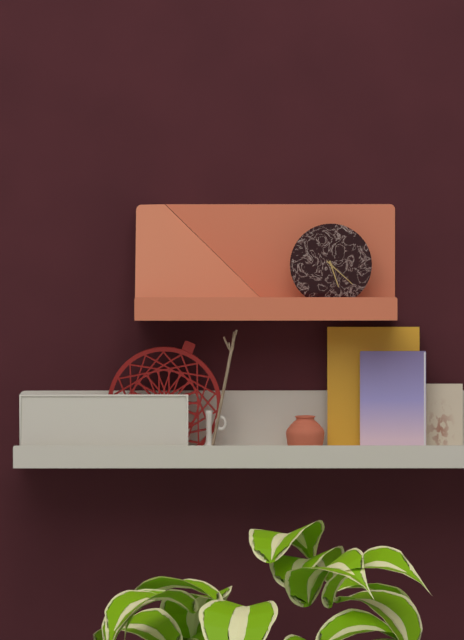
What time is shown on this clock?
5:22
